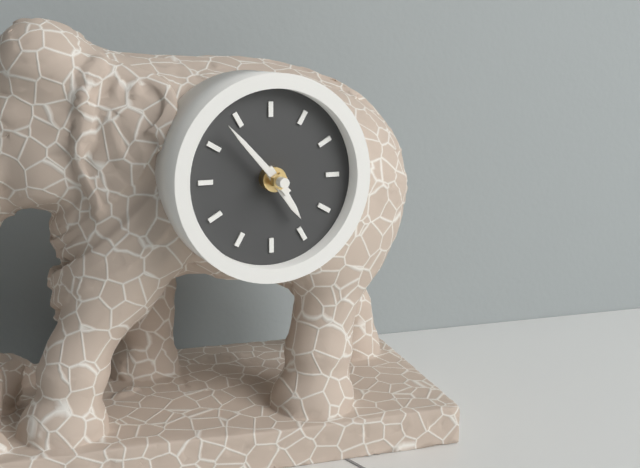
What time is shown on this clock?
4:53
